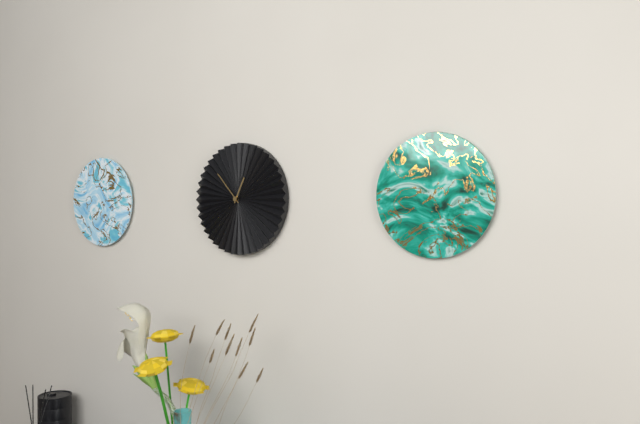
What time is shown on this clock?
12:53
